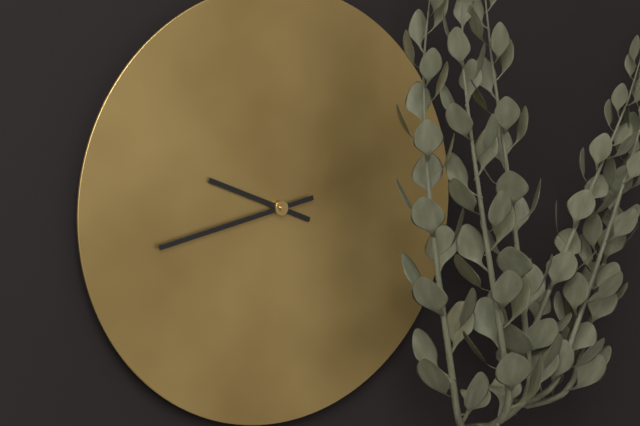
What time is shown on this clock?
9:43
